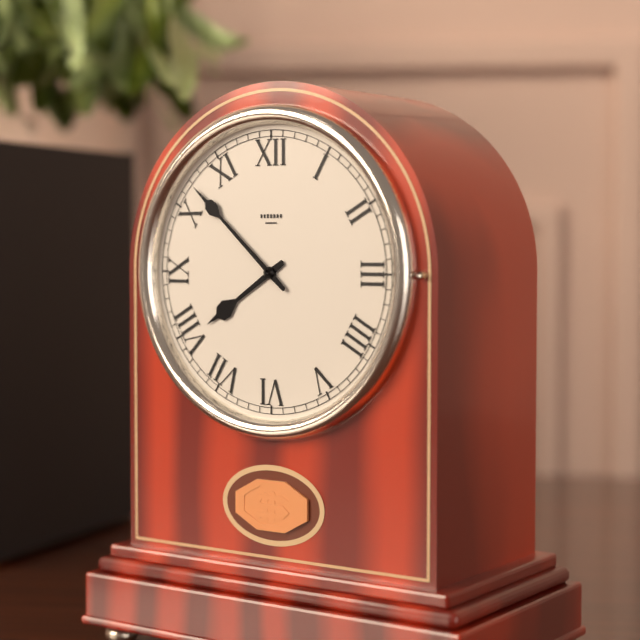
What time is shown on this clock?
7:52
